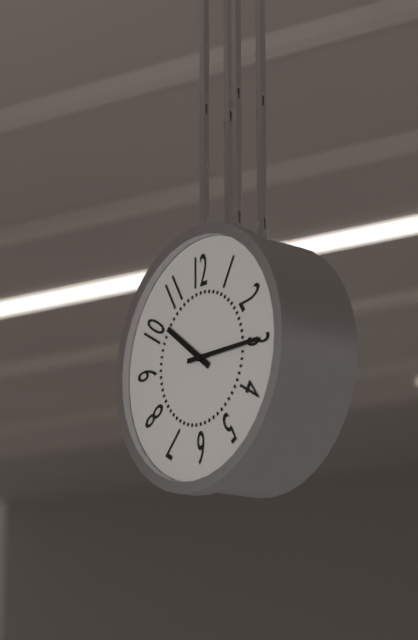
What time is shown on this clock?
10:15
